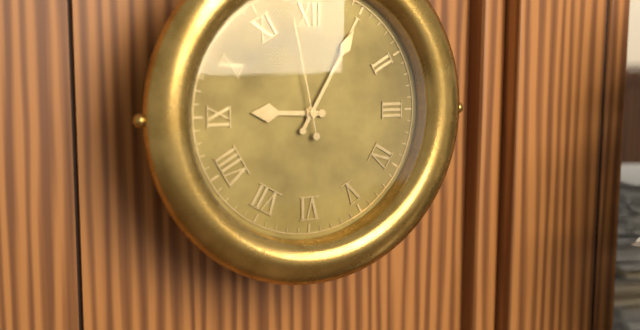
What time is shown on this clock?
9:05:58
